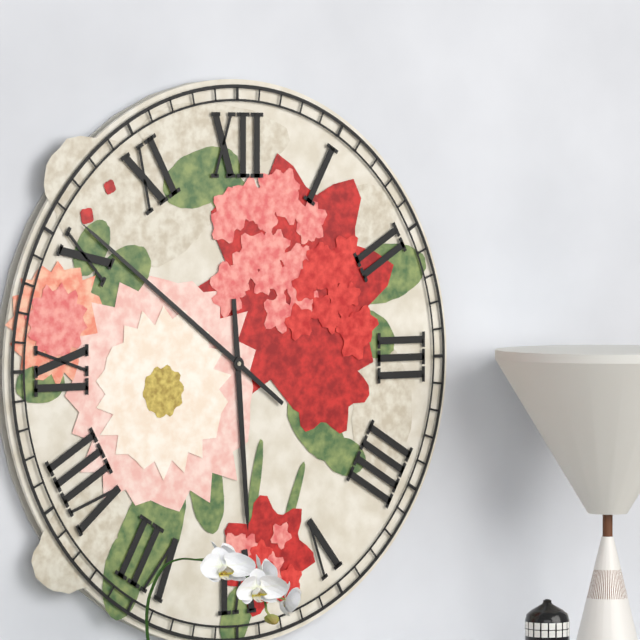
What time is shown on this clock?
5:51
